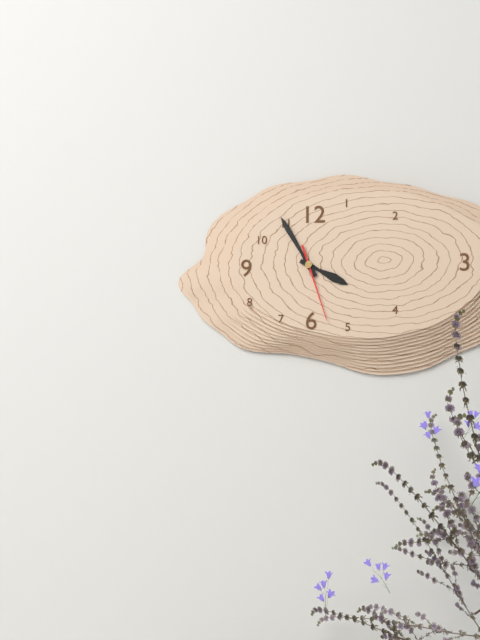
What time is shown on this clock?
3:55:27
